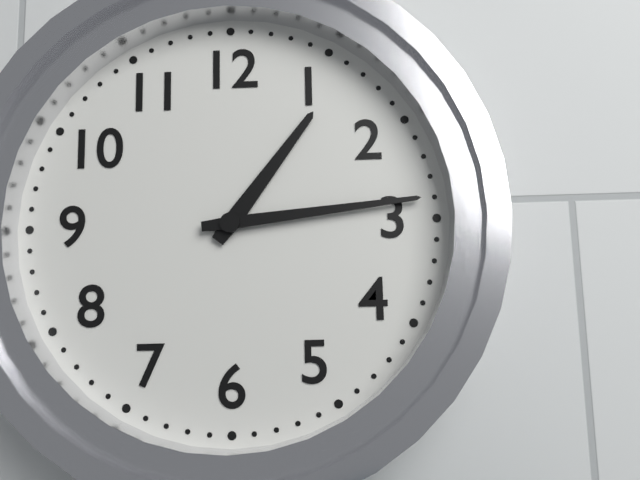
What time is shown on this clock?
1:14
